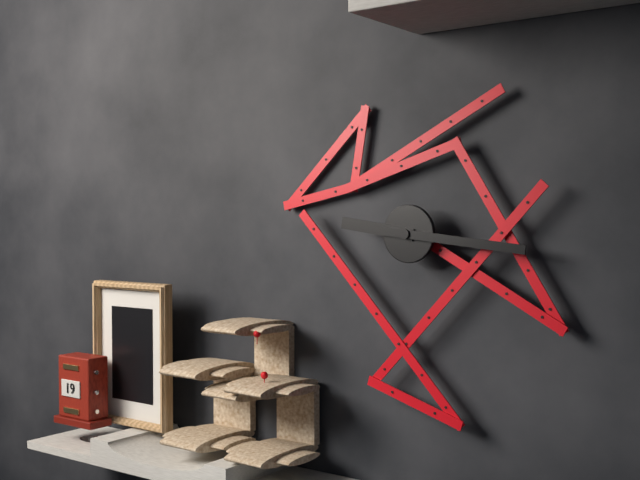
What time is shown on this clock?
9:16
